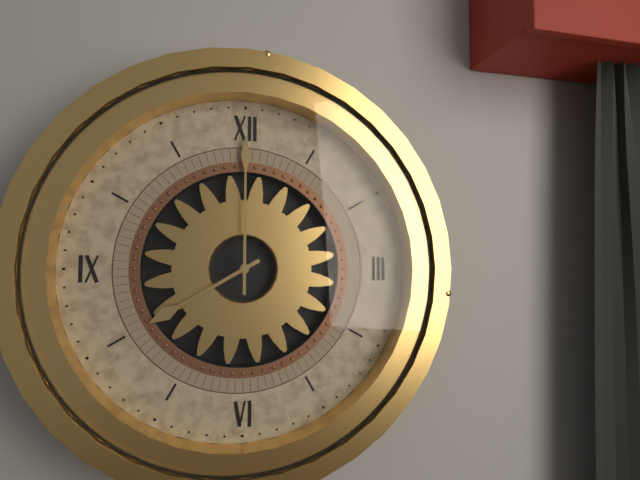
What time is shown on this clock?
8:00
